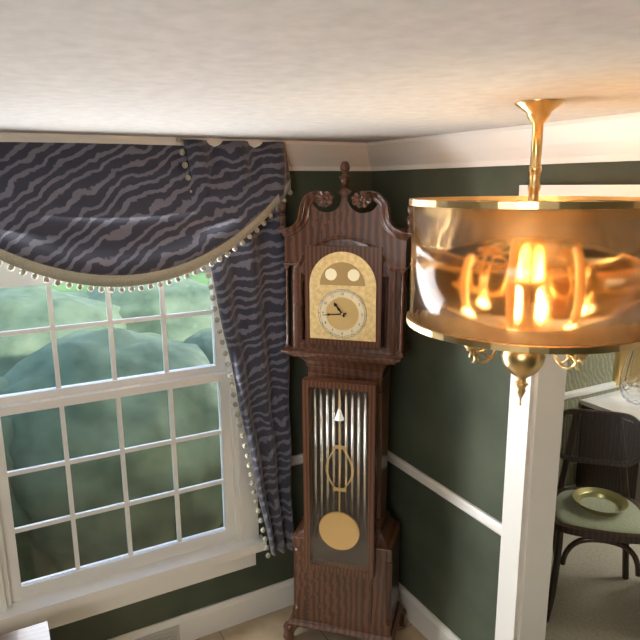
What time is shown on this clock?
10:44
